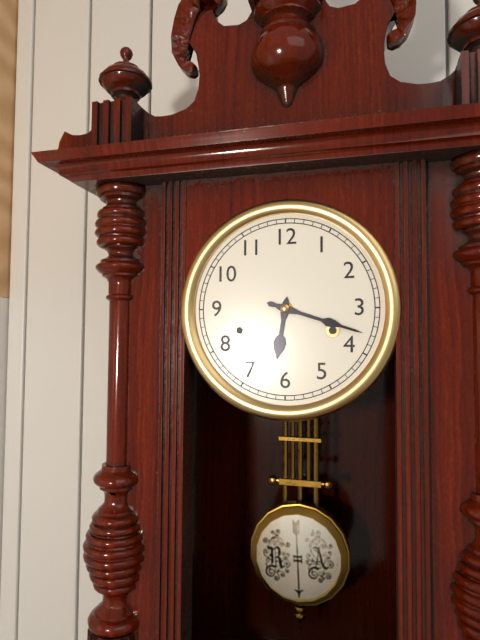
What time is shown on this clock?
6:18
